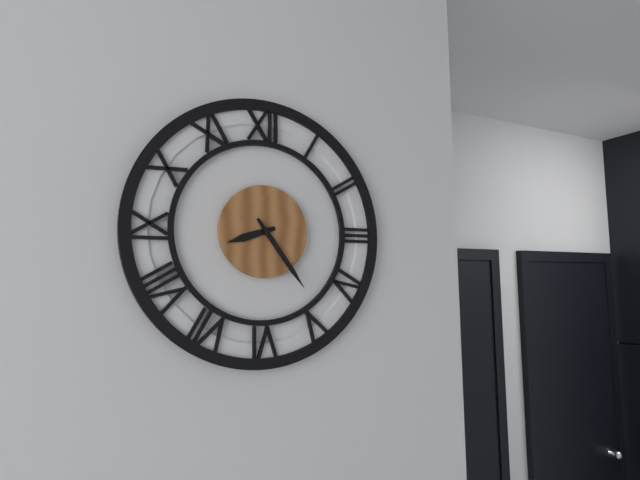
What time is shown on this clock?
8:24
